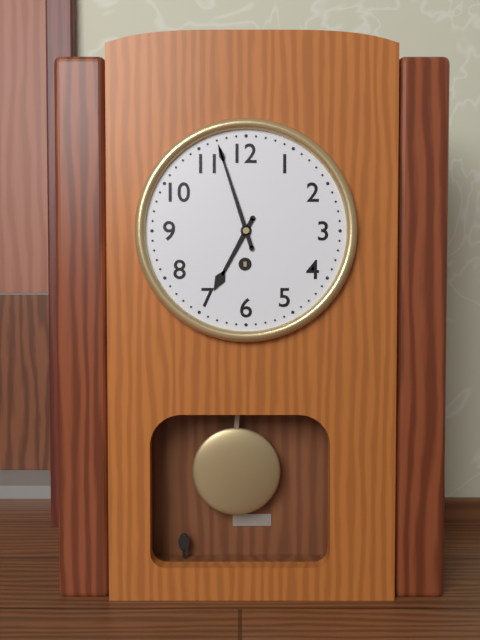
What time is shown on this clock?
6:57
